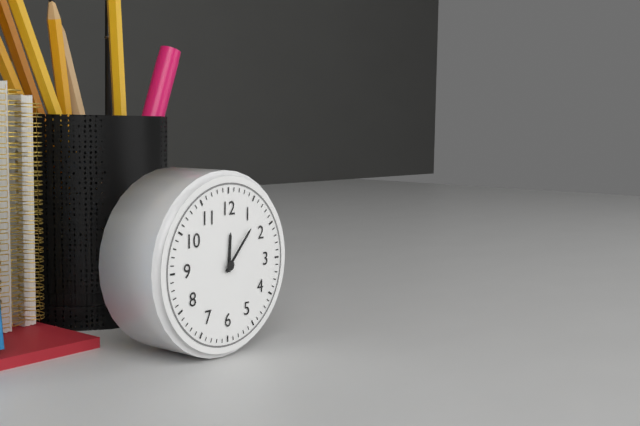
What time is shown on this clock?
12:07
